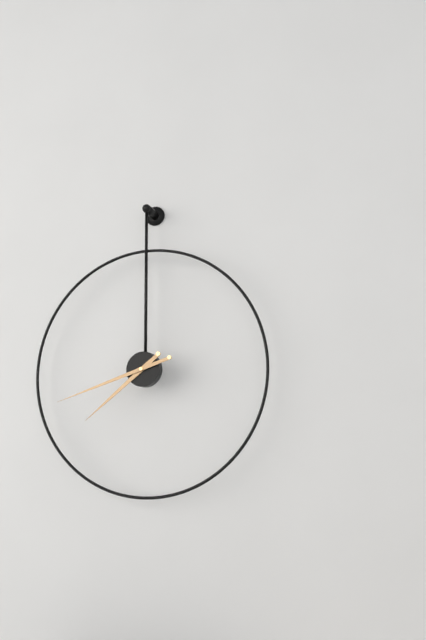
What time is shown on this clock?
7:42
